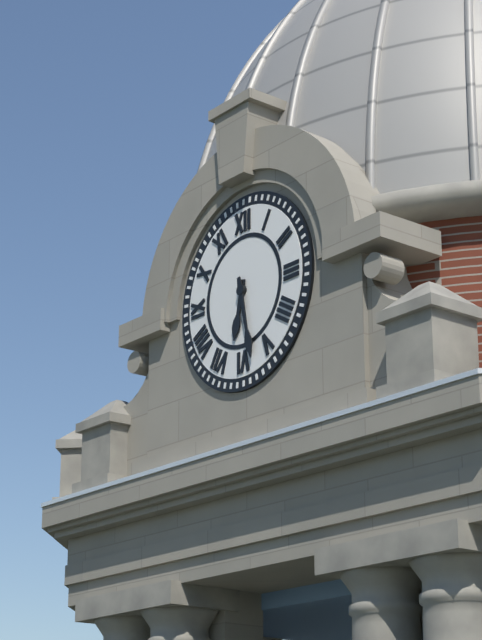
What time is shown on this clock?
6:28
